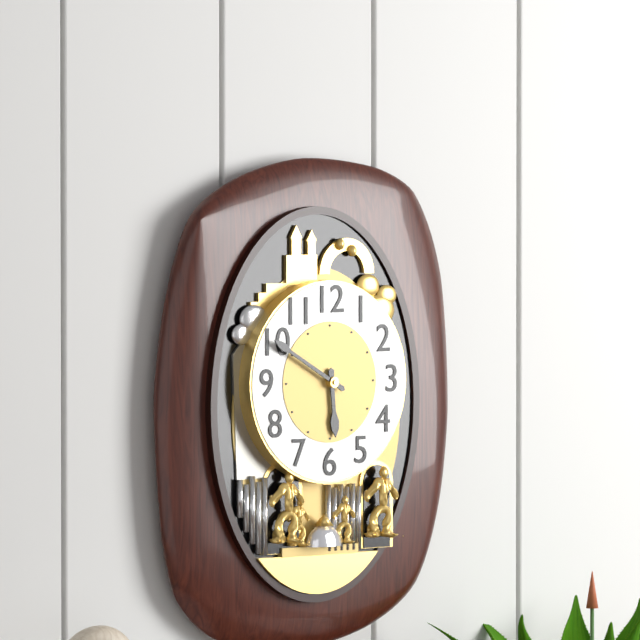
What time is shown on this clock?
5:50
